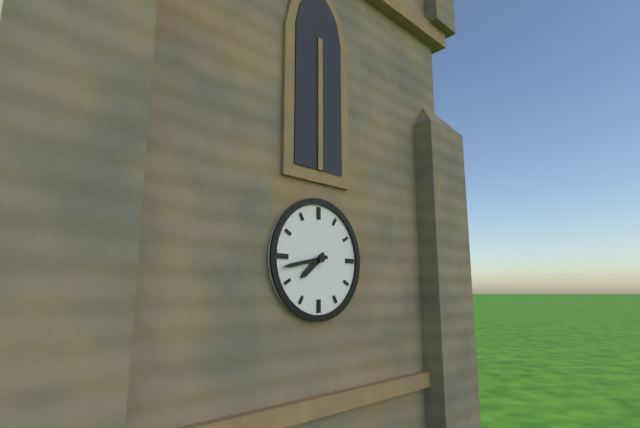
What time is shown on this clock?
7:43
